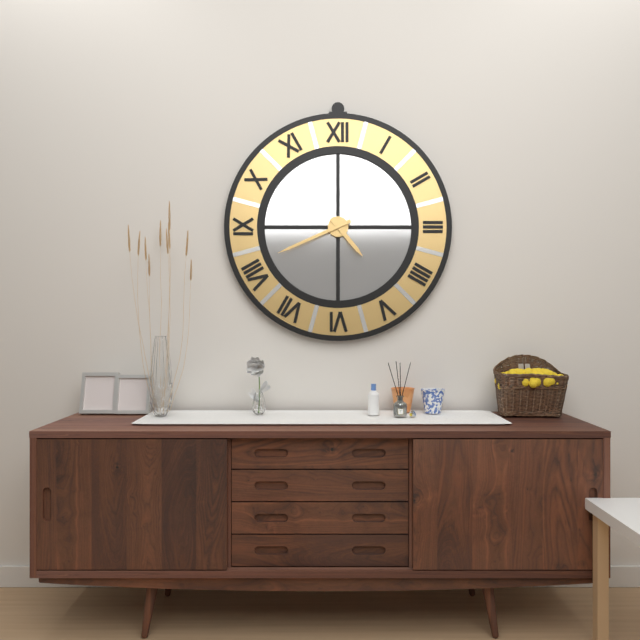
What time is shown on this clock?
4:41
